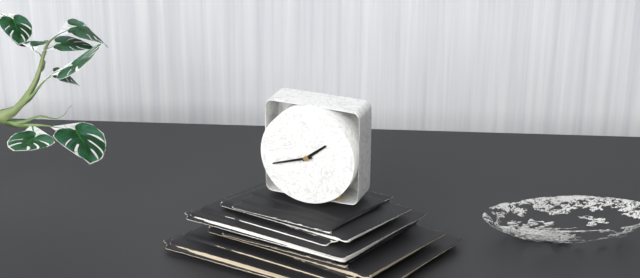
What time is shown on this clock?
1:42
